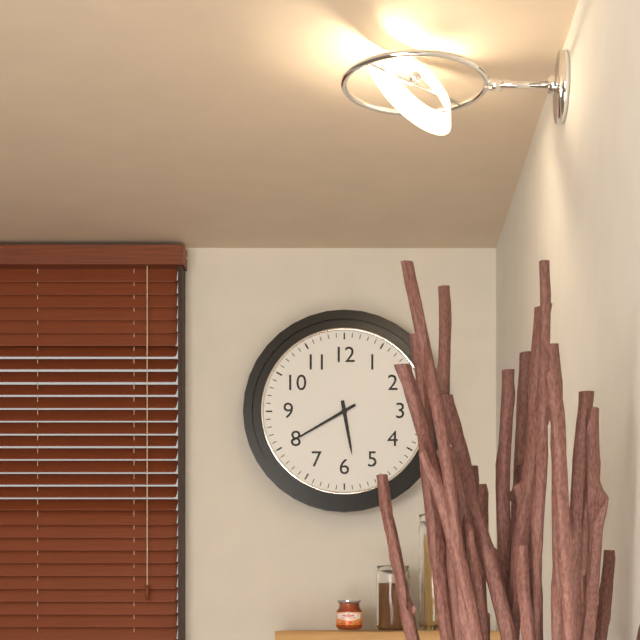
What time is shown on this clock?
5:40
